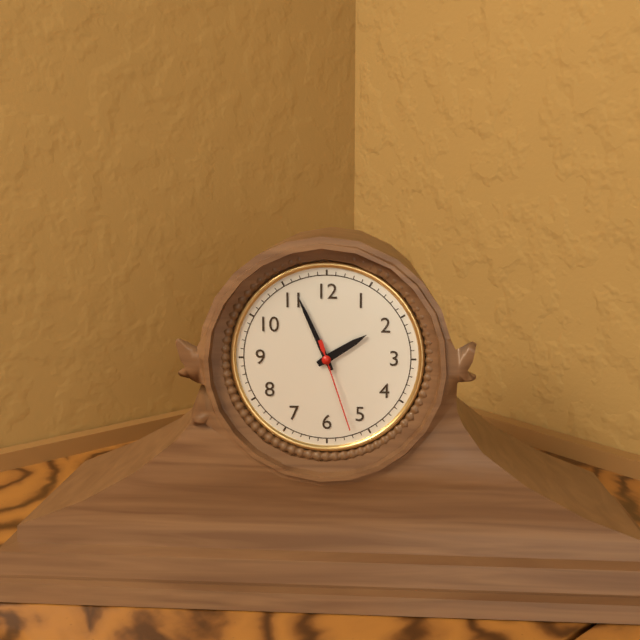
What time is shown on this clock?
1:56:27
